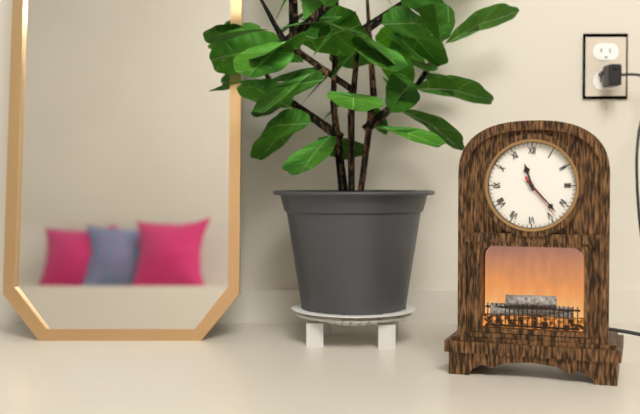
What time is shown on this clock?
11:23
